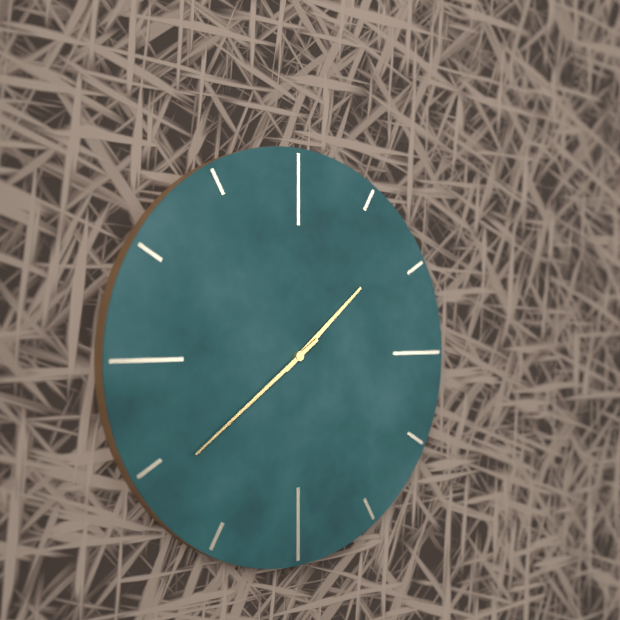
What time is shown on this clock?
1:39
